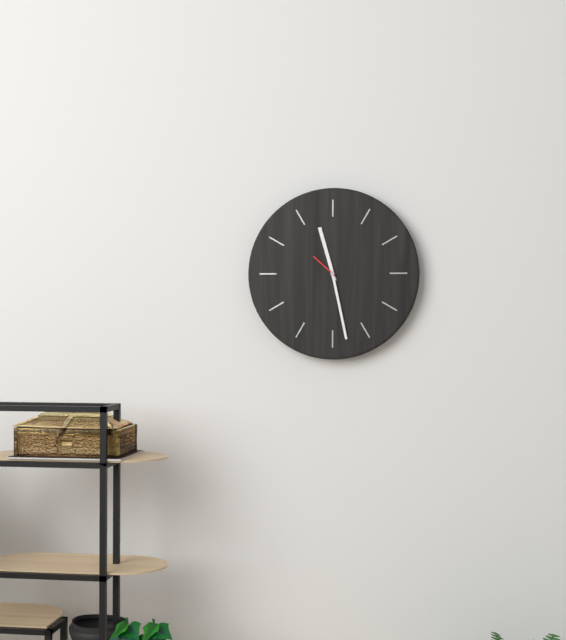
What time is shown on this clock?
11:28
